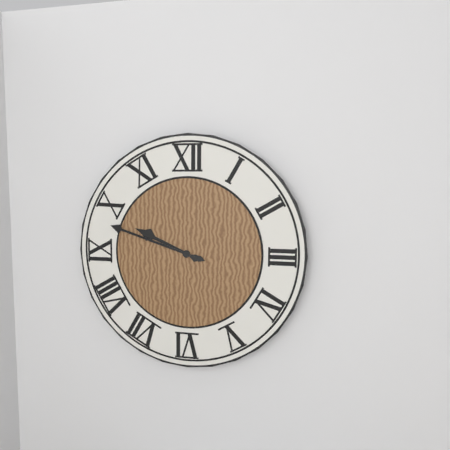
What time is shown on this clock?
9:48
